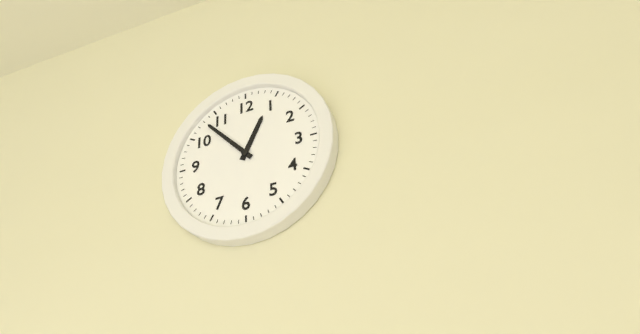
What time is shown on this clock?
12:53
